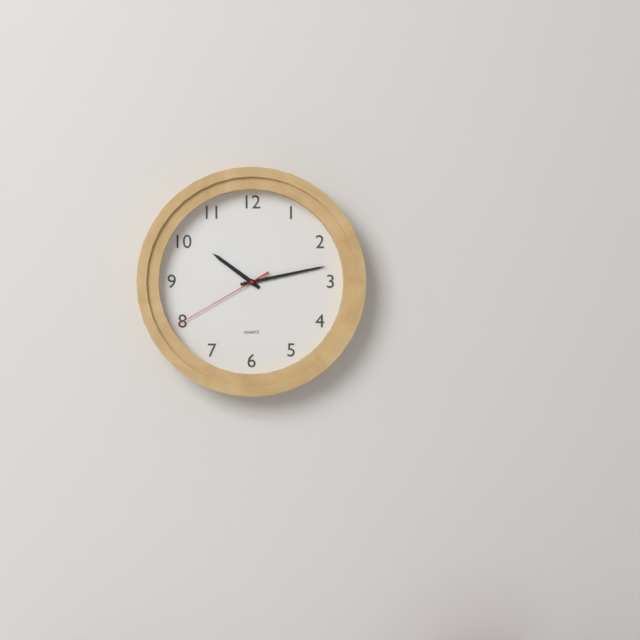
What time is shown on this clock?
10:13:40
